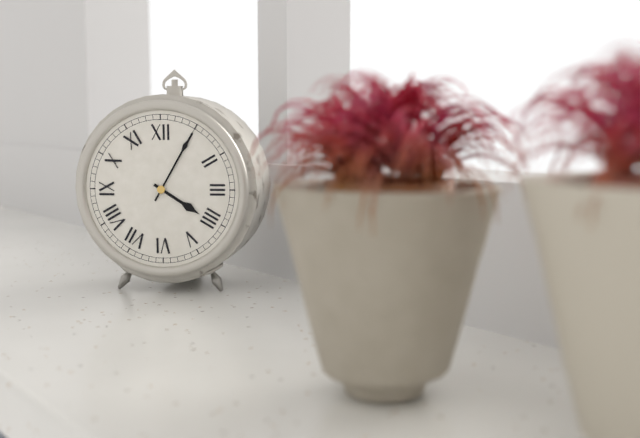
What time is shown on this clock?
4:05
